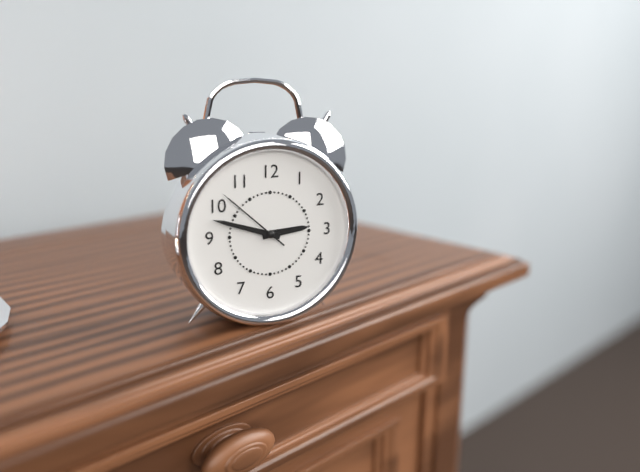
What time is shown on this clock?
2:48:52
